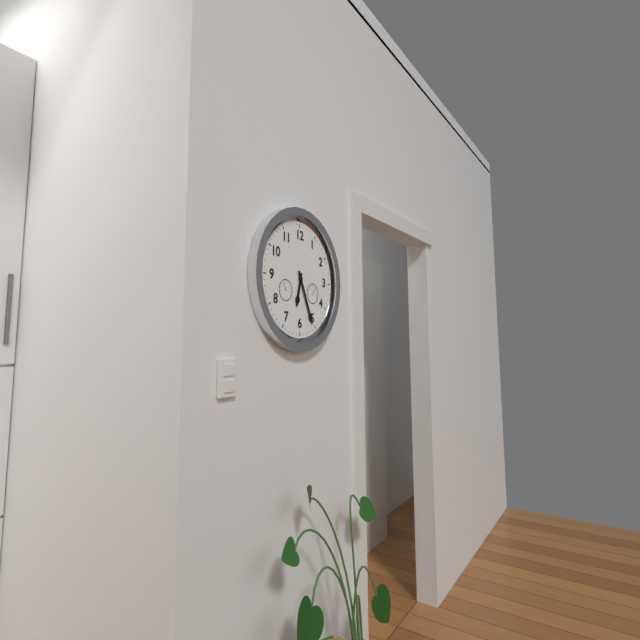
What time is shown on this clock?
6:26
